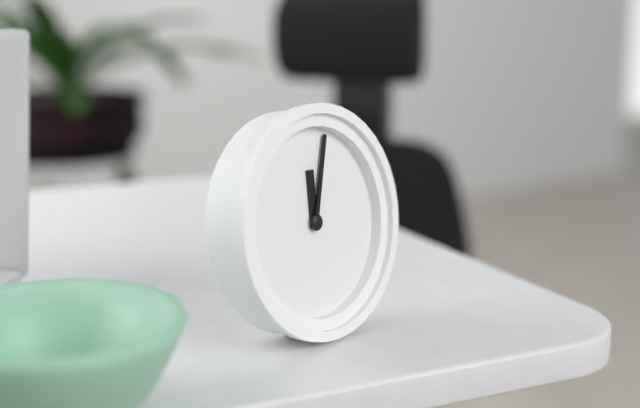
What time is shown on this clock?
12:03
